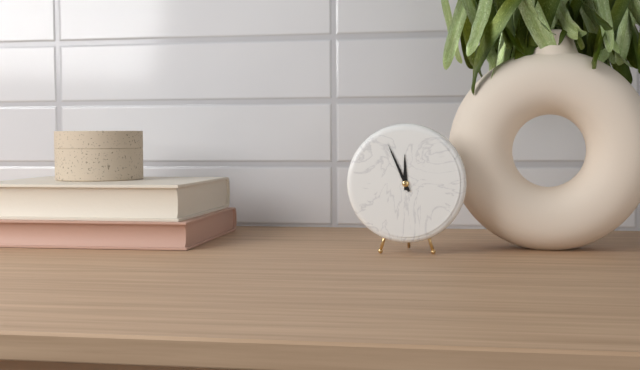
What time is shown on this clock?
11:56
